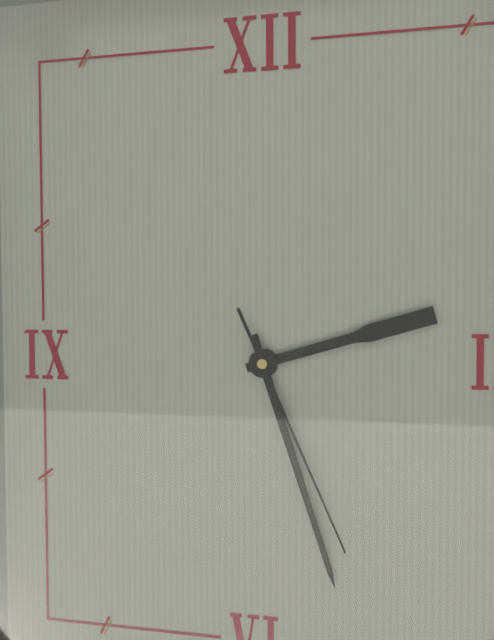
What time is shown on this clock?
2:27:26
